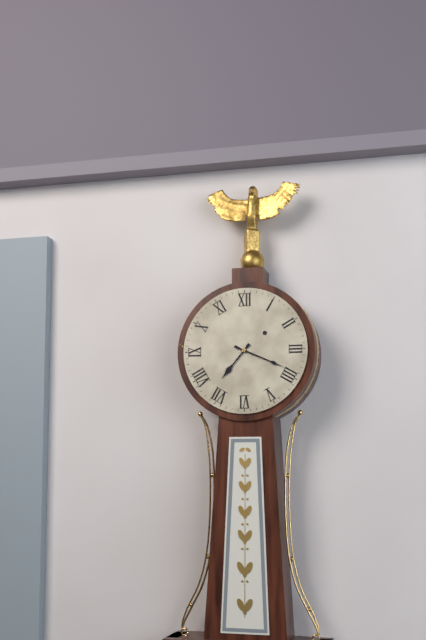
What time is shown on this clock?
7:19
